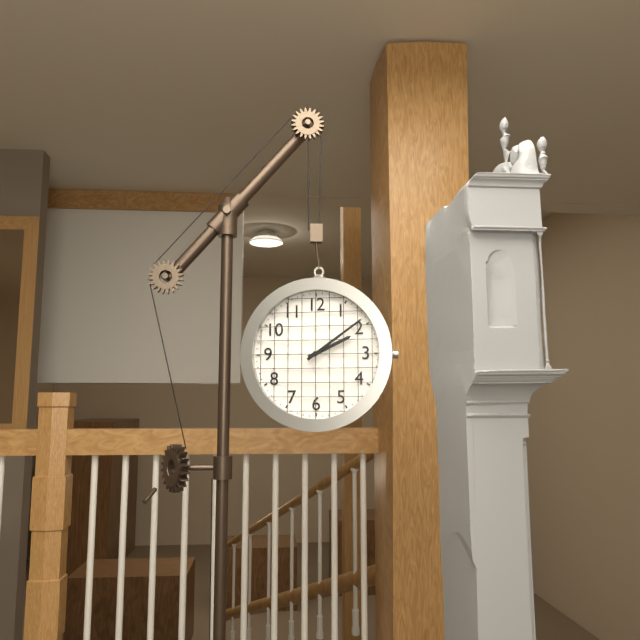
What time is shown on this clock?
2:09
